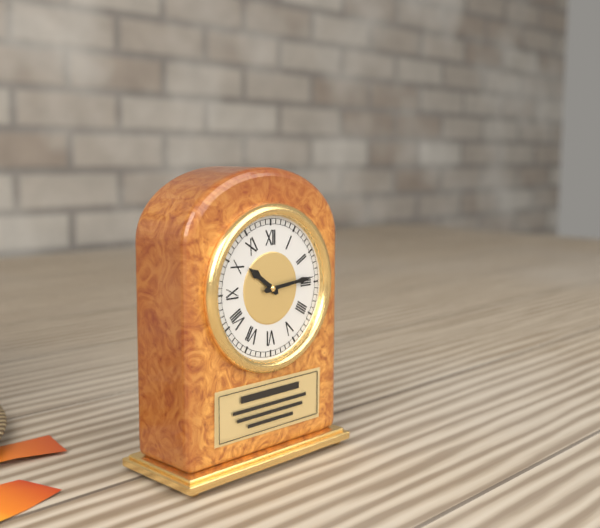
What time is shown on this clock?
10:14
